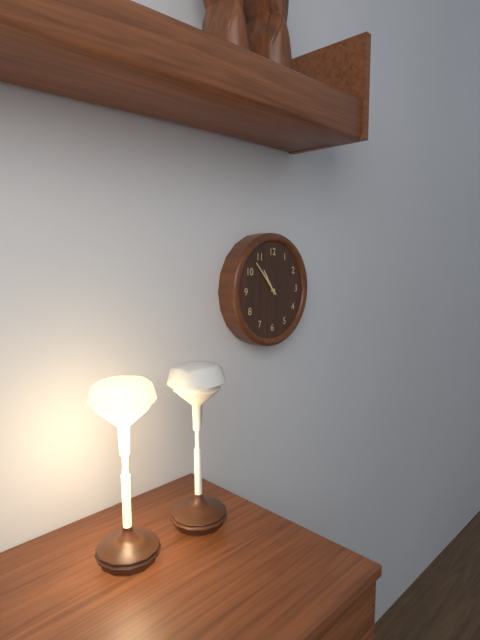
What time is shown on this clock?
10:53
